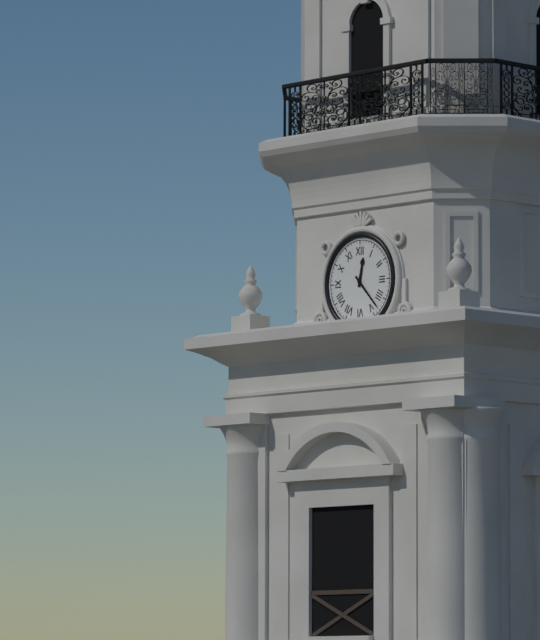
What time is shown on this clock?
12:23
